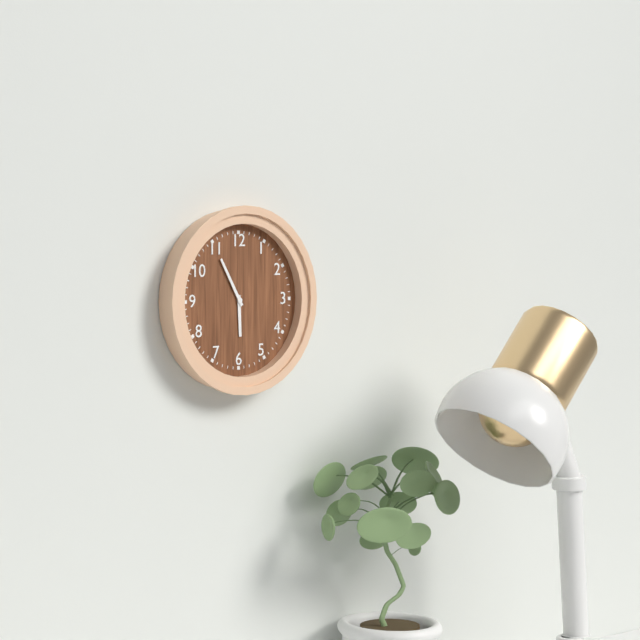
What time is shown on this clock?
5:55
